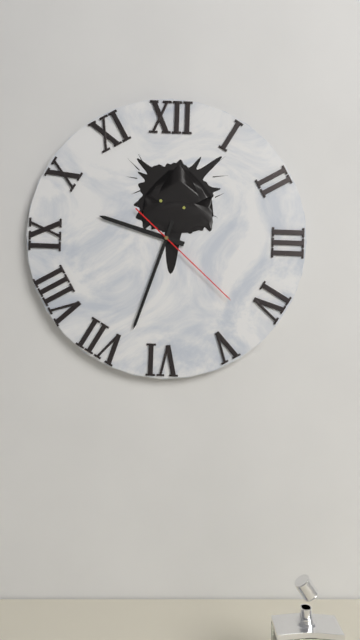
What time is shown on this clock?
9:33:22
